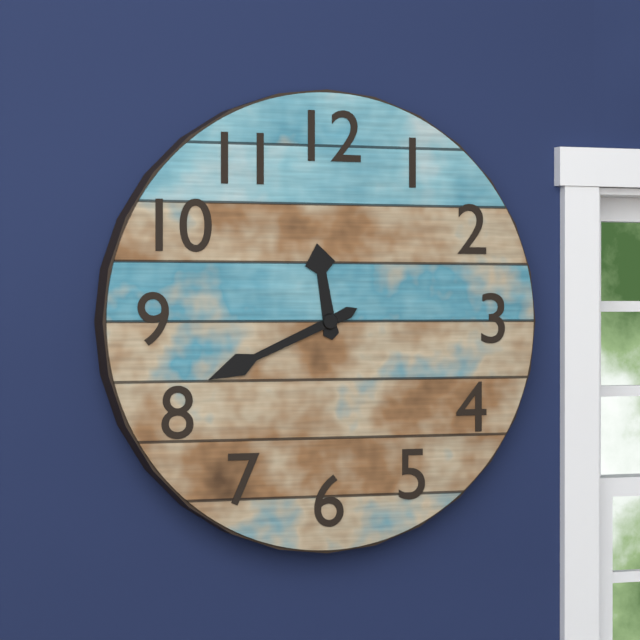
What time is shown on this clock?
11:41
